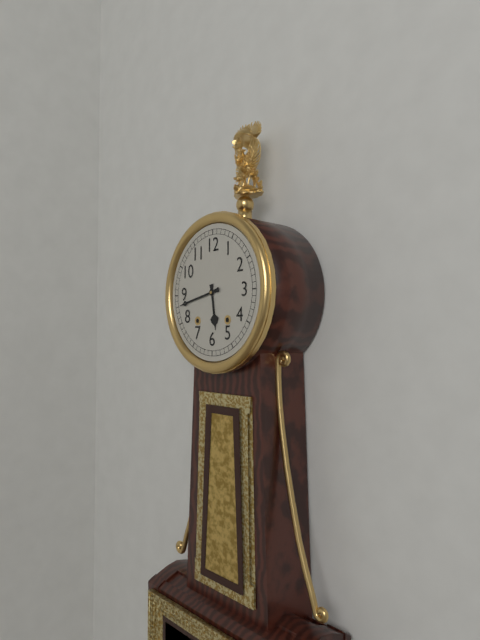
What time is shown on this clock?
5:43
